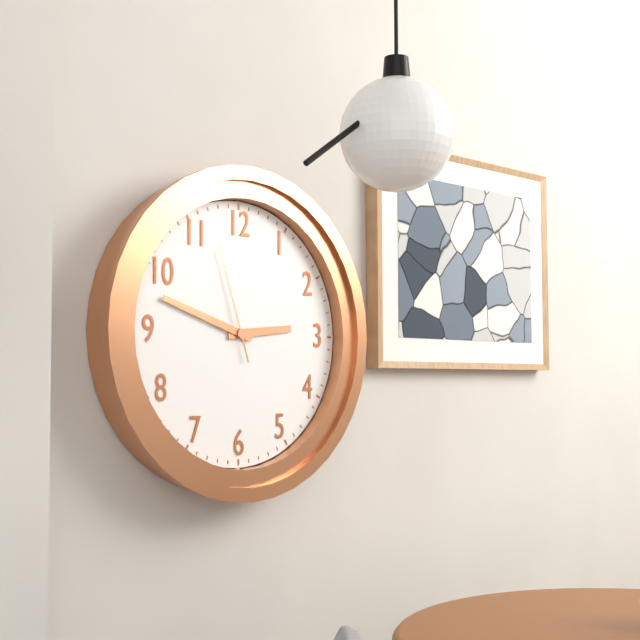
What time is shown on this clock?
2:48:57
